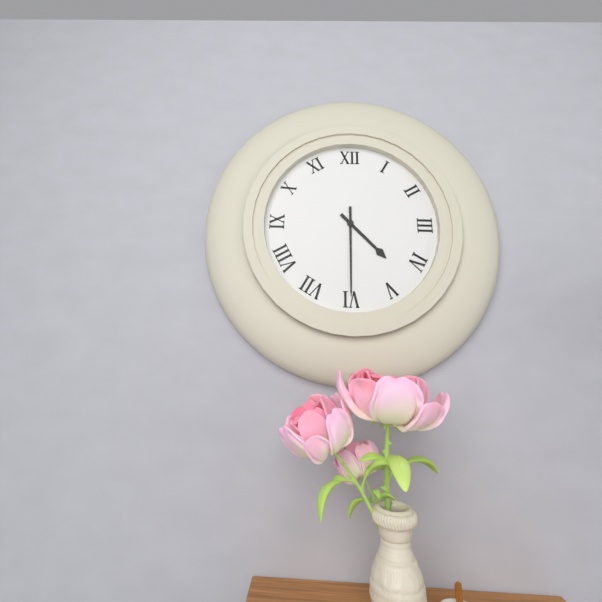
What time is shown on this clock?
4:30
